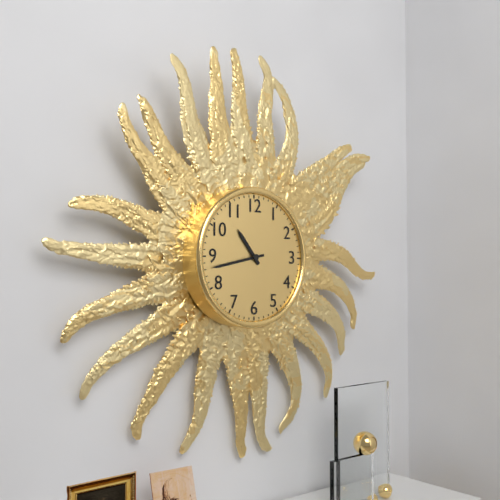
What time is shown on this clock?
10:43
